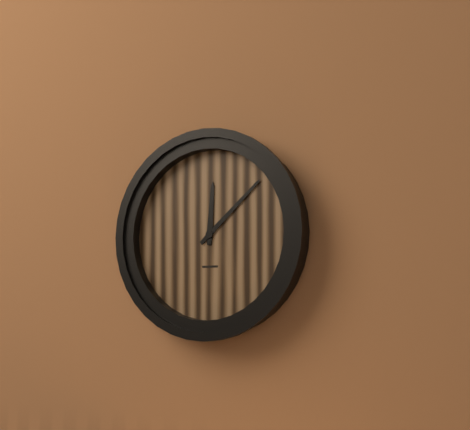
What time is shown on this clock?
12:08
